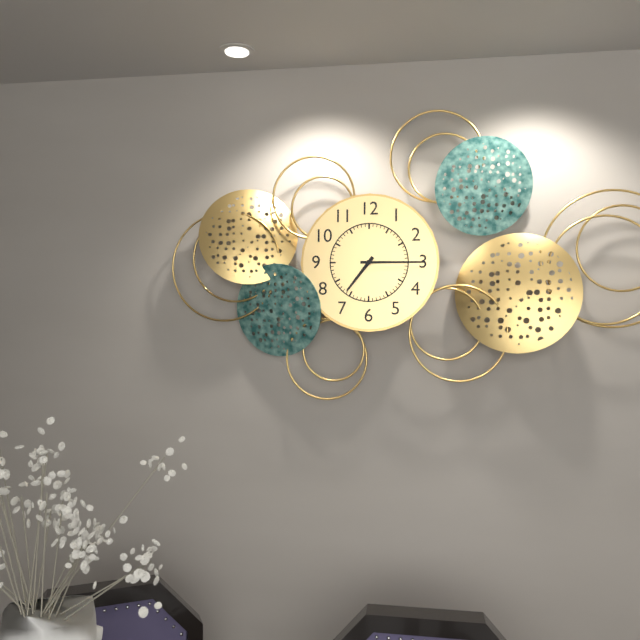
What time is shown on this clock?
7:15
